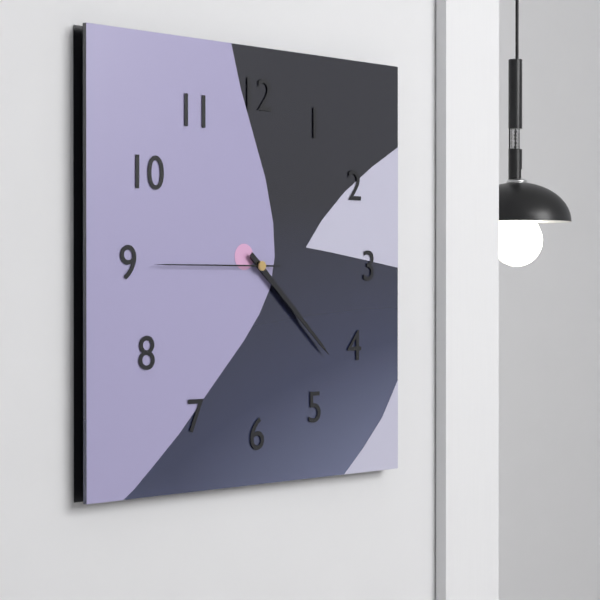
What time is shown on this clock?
4:22:45
